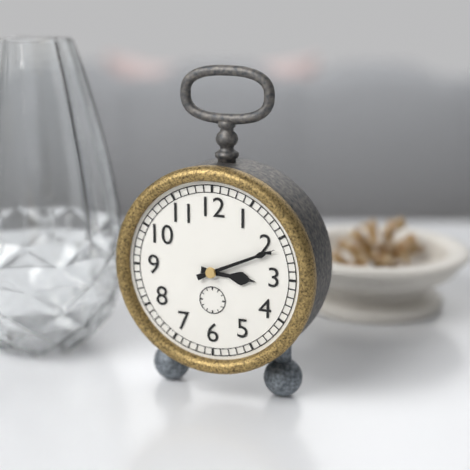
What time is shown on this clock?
3:11
